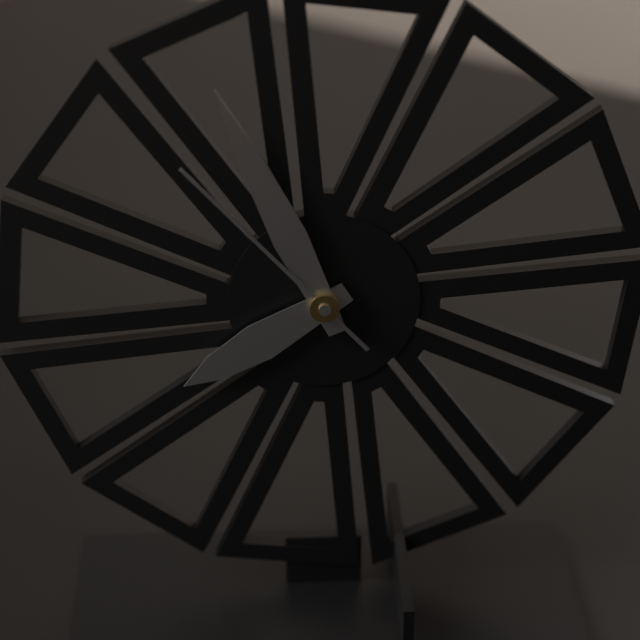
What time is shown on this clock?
7:56:53
